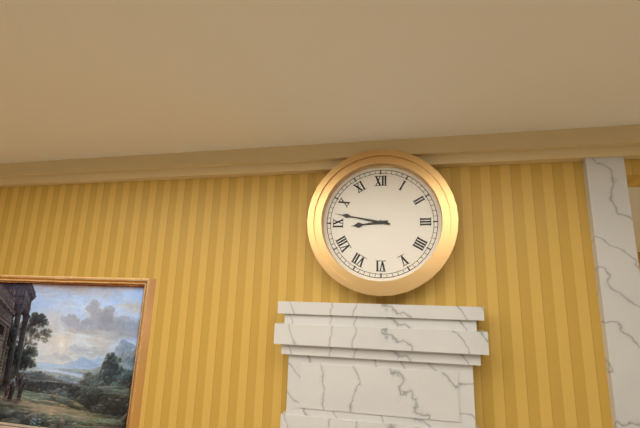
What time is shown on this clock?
8:47
